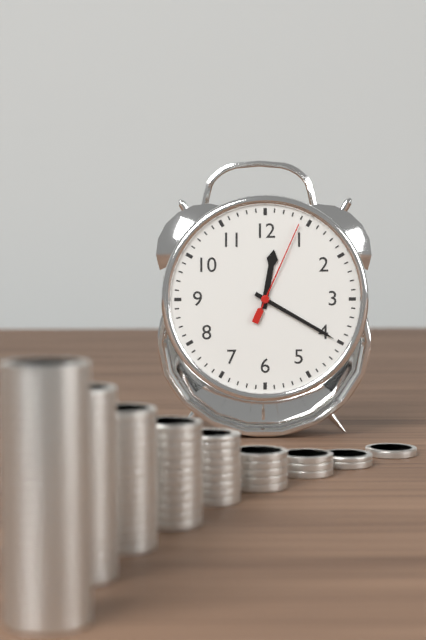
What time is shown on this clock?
12:20:04
